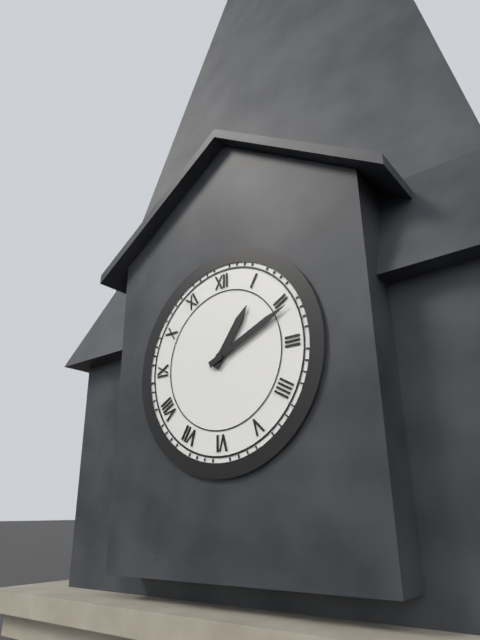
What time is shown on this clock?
1:11
